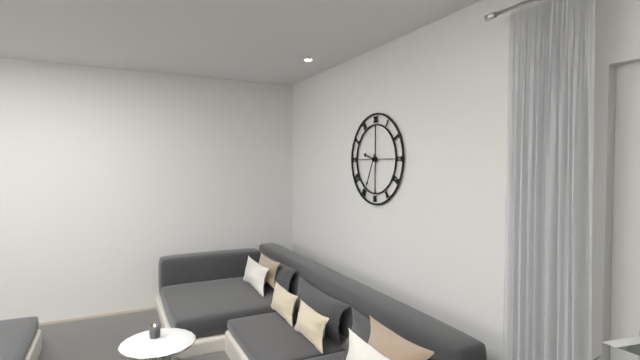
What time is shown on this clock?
9:34
